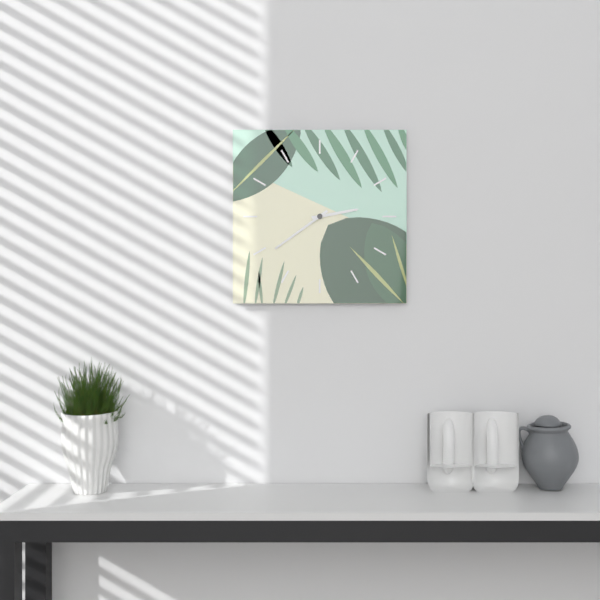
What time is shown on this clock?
2:39
